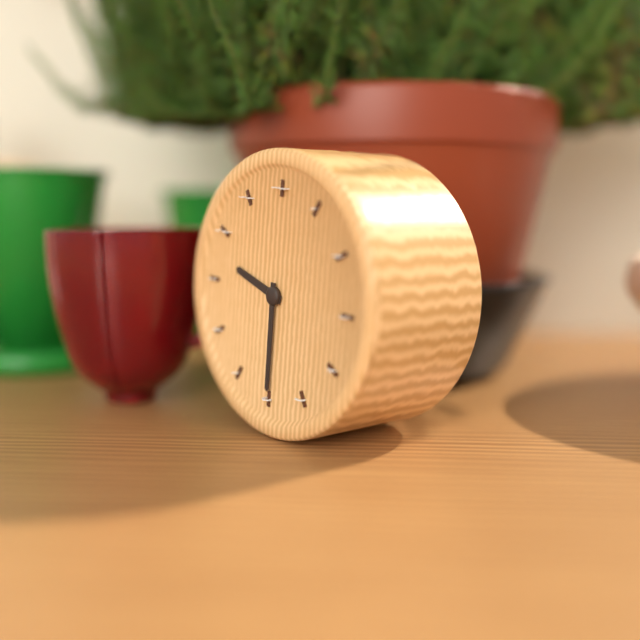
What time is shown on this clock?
9:30
